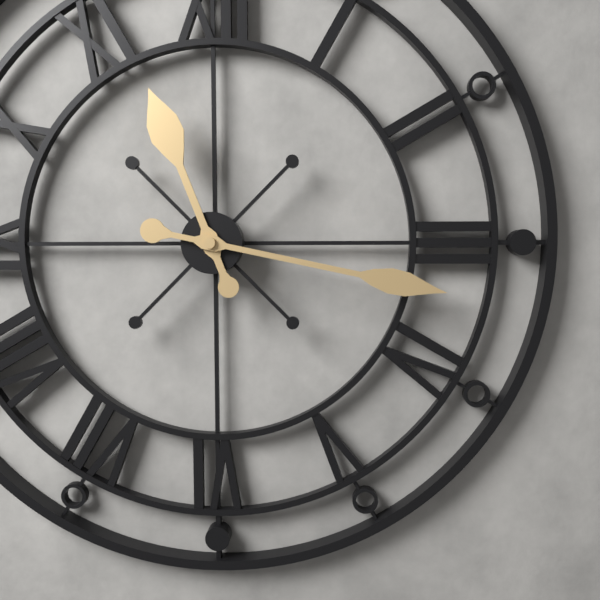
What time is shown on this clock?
11:17
